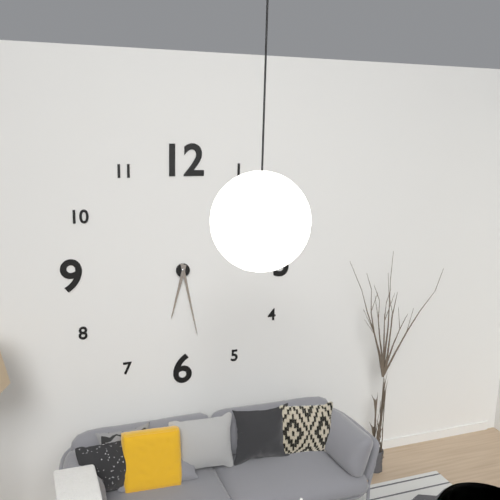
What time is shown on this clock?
6:28
